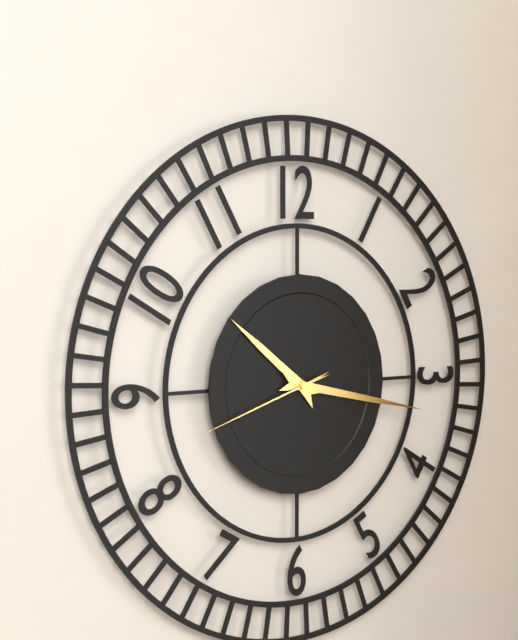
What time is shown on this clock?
10:17:42
